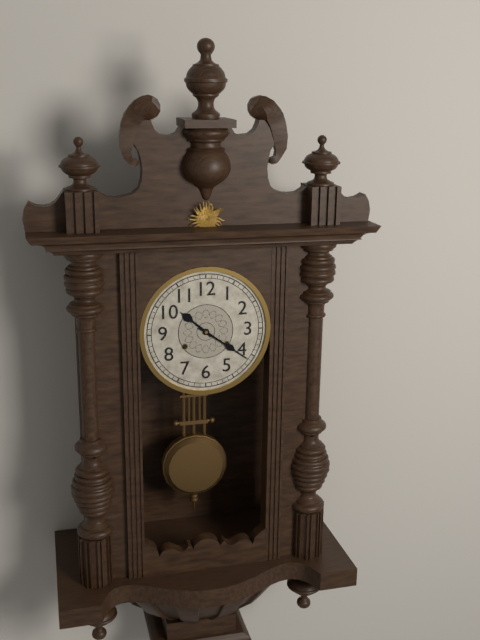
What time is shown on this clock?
10:21
